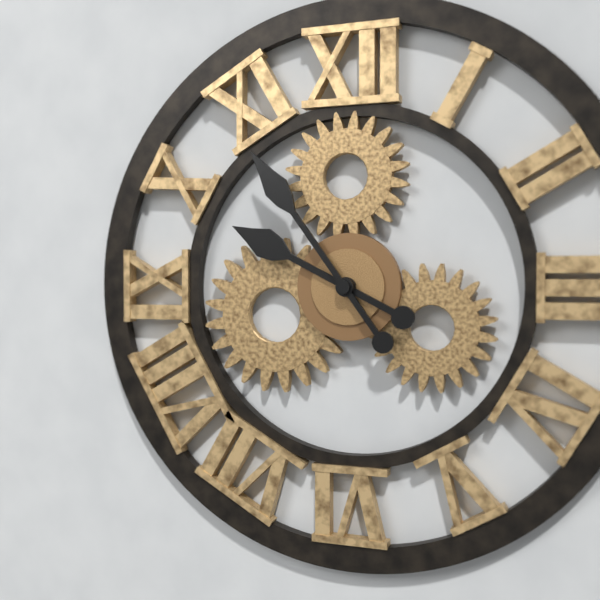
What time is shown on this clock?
9:54
